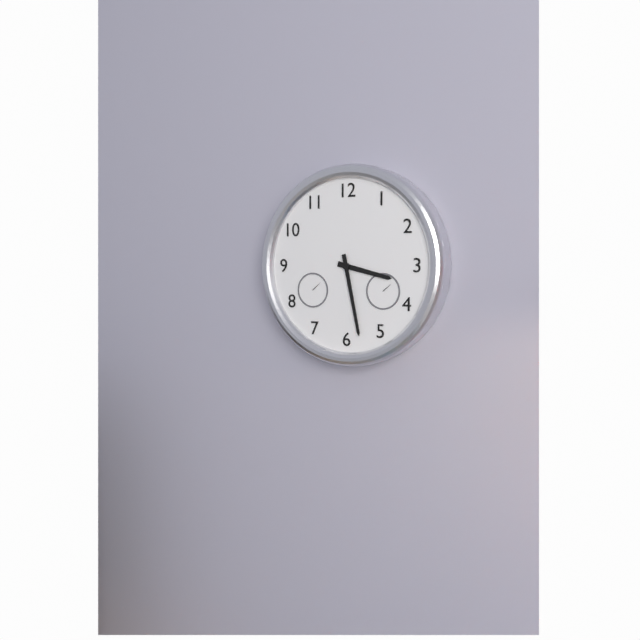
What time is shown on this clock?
3:28
